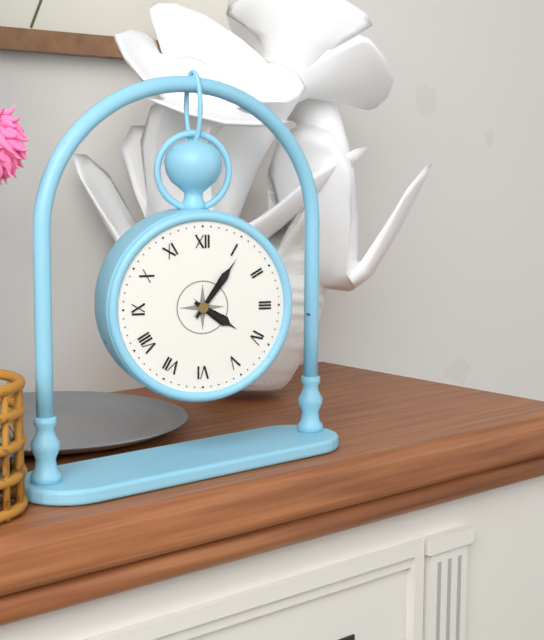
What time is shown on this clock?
4:06
